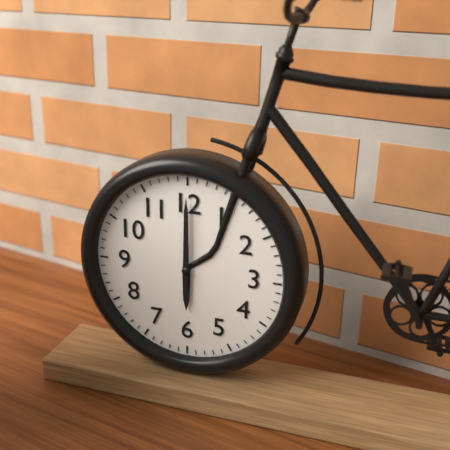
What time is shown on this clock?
6:00
